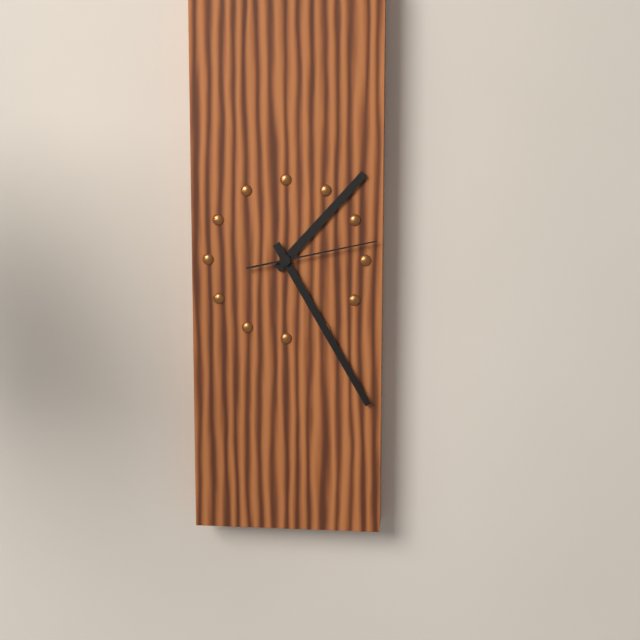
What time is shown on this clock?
1:25:13
